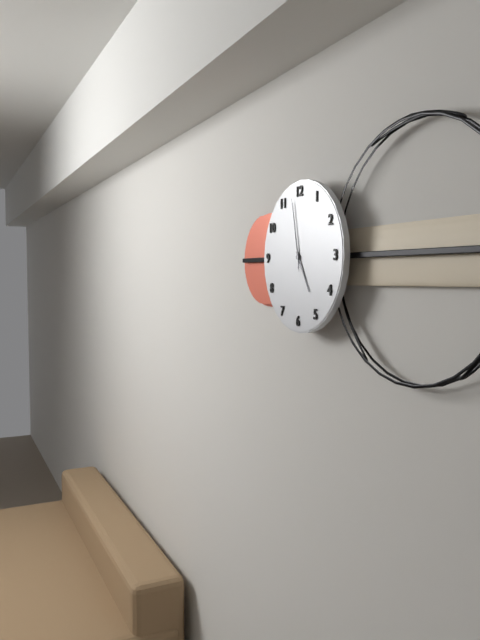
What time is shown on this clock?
4:58:58
